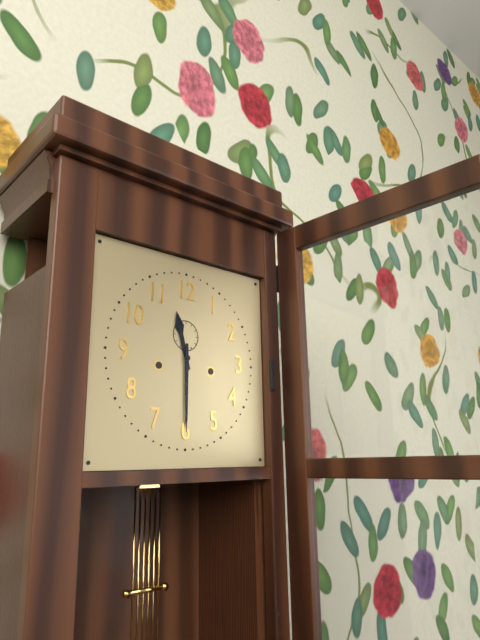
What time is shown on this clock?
11:30
